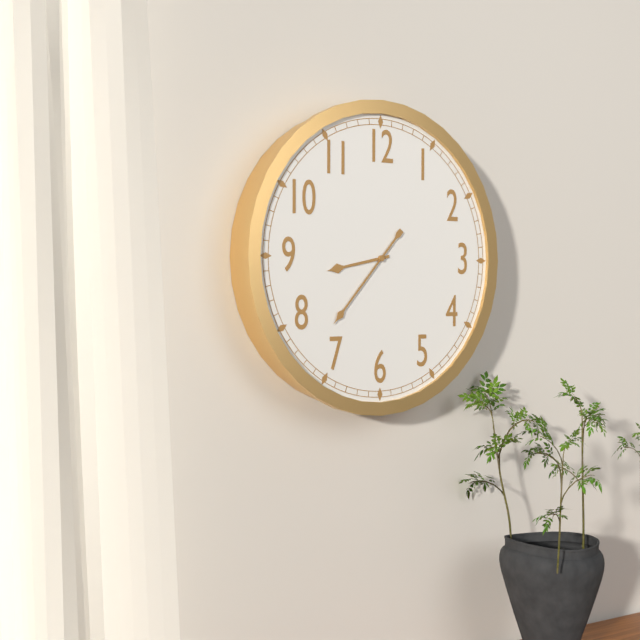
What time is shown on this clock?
8:37
